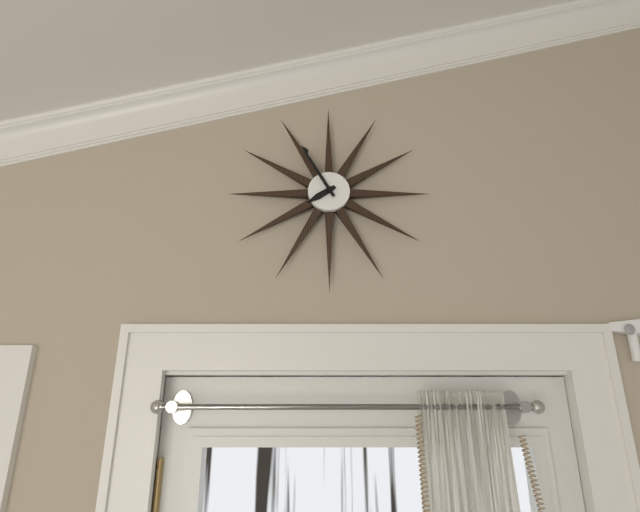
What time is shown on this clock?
7:55
